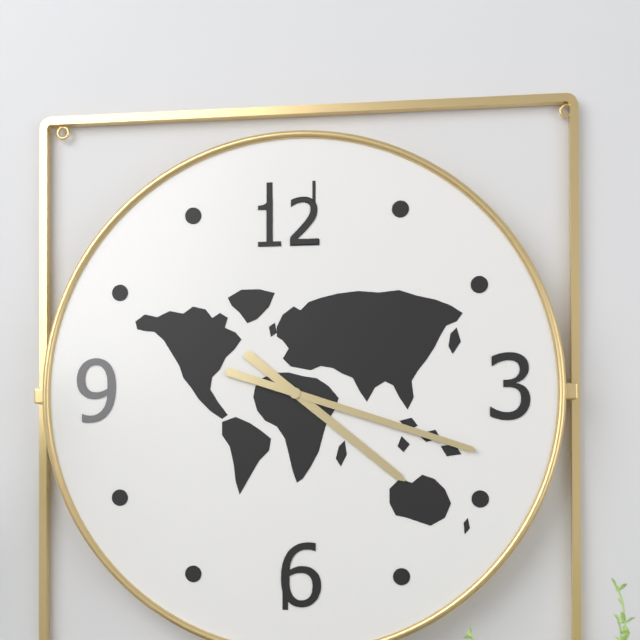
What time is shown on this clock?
4:18
